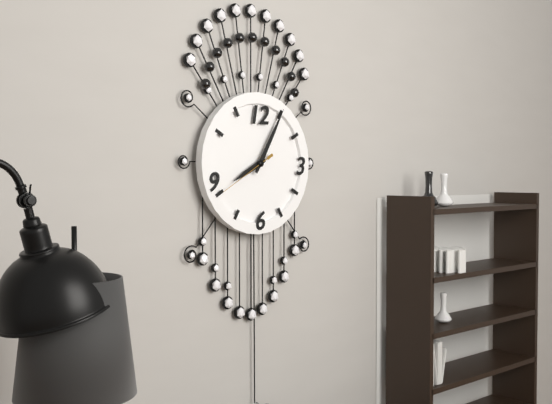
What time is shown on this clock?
8:05:40
